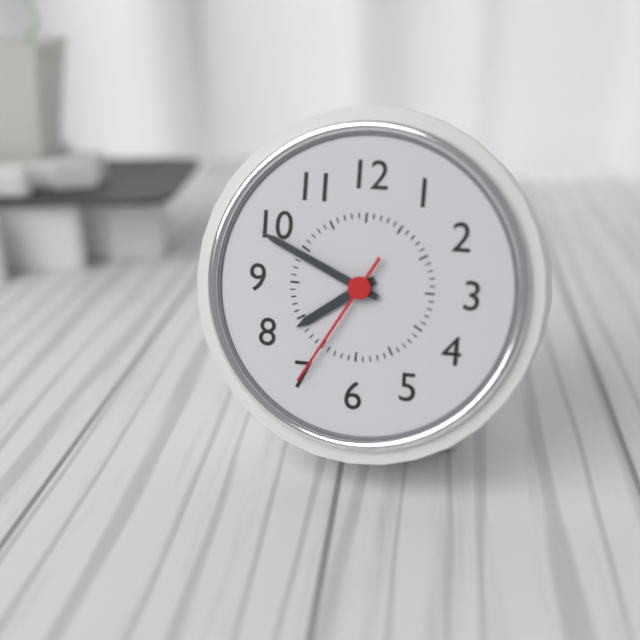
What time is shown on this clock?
7:49:35
